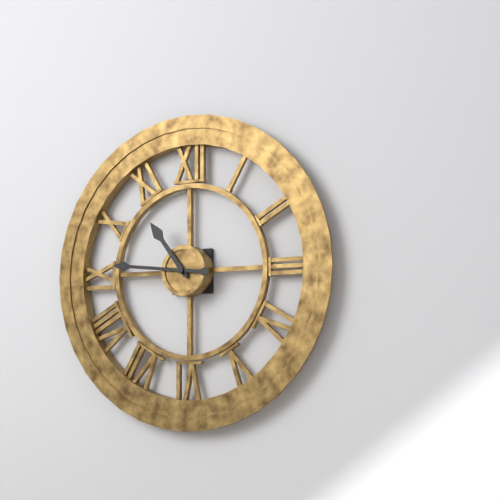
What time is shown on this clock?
10:46
